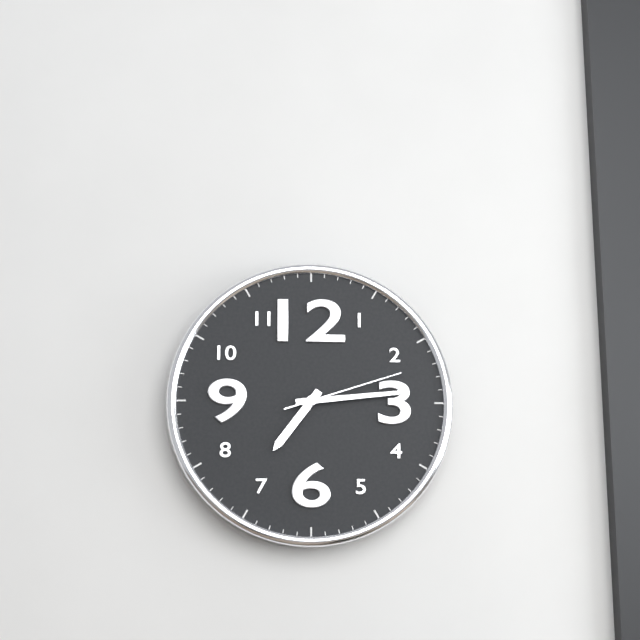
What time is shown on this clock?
7:14:12
